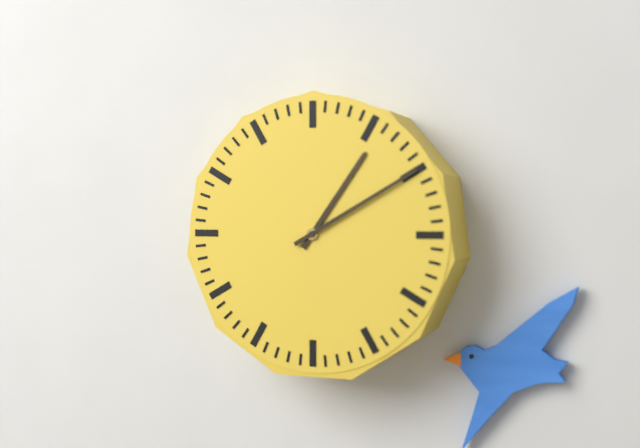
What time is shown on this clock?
1:10
